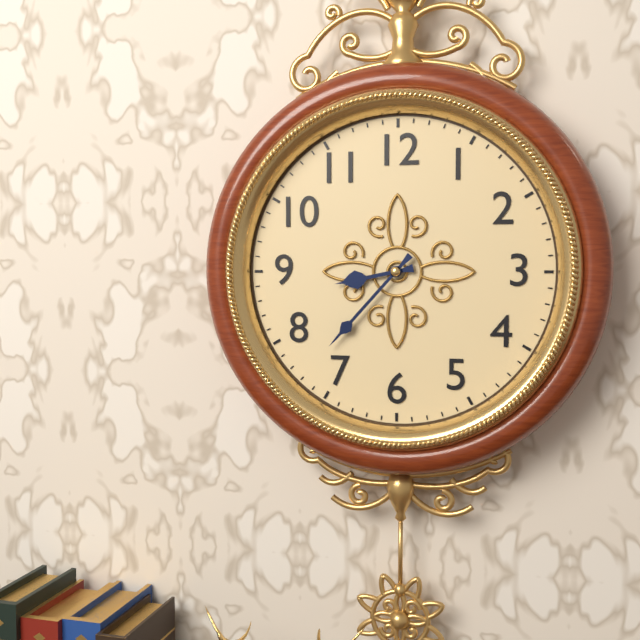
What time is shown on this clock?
8:37
